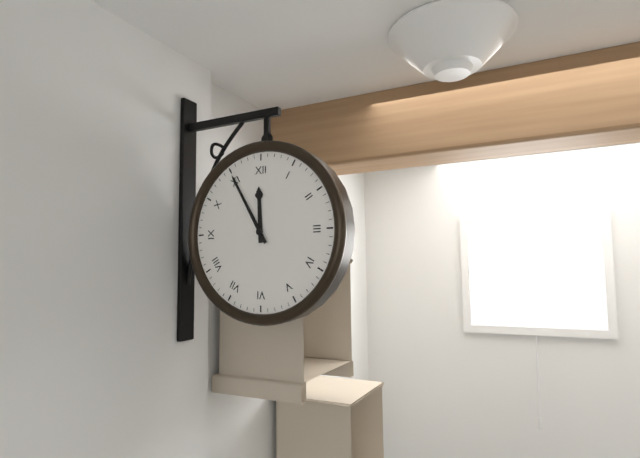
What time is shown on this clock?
11:55
